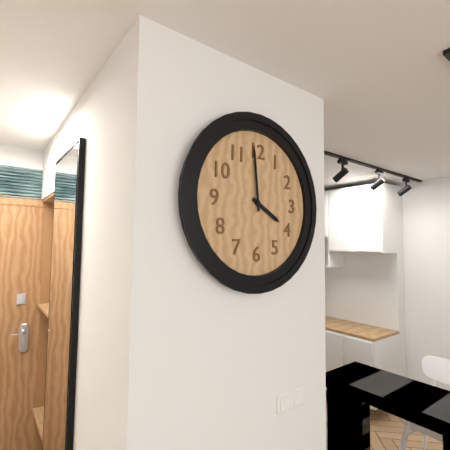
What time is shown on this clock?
3:59
